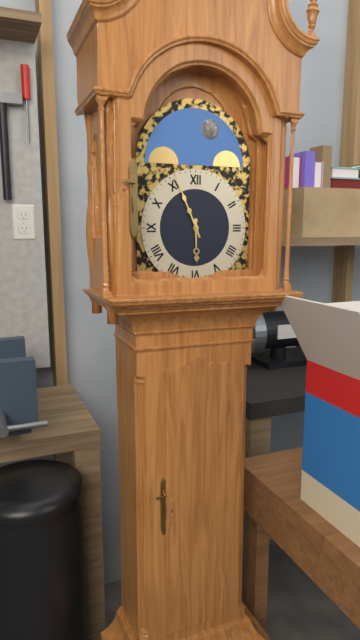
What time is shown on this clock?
5:56
